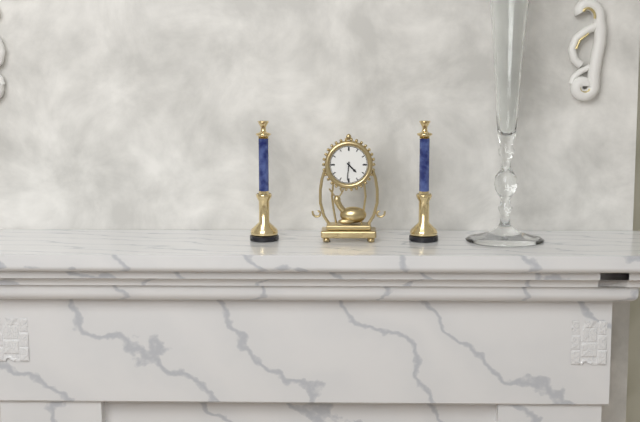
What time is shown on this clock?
4:31
